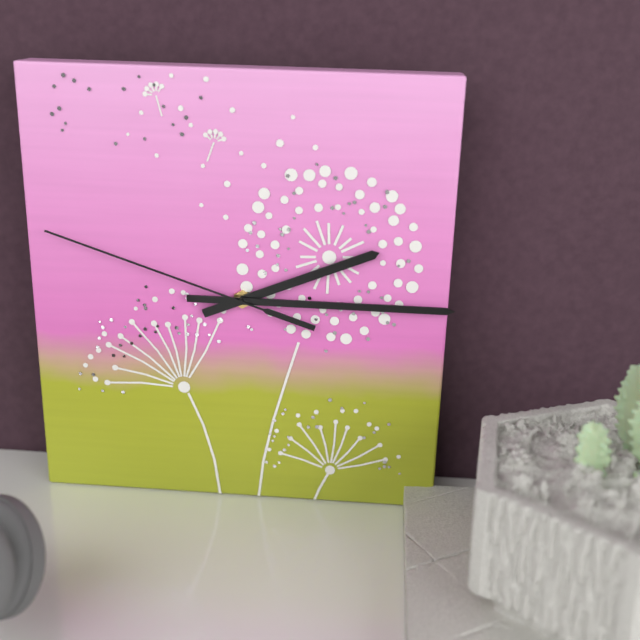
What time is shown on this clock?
2:15:48
